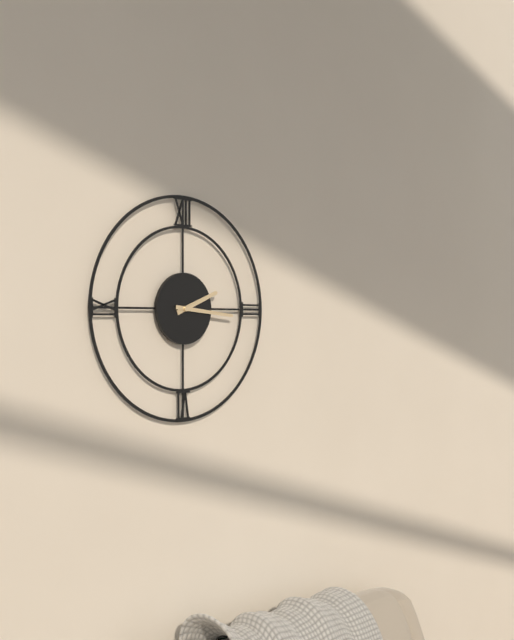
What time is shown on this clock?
2:16
